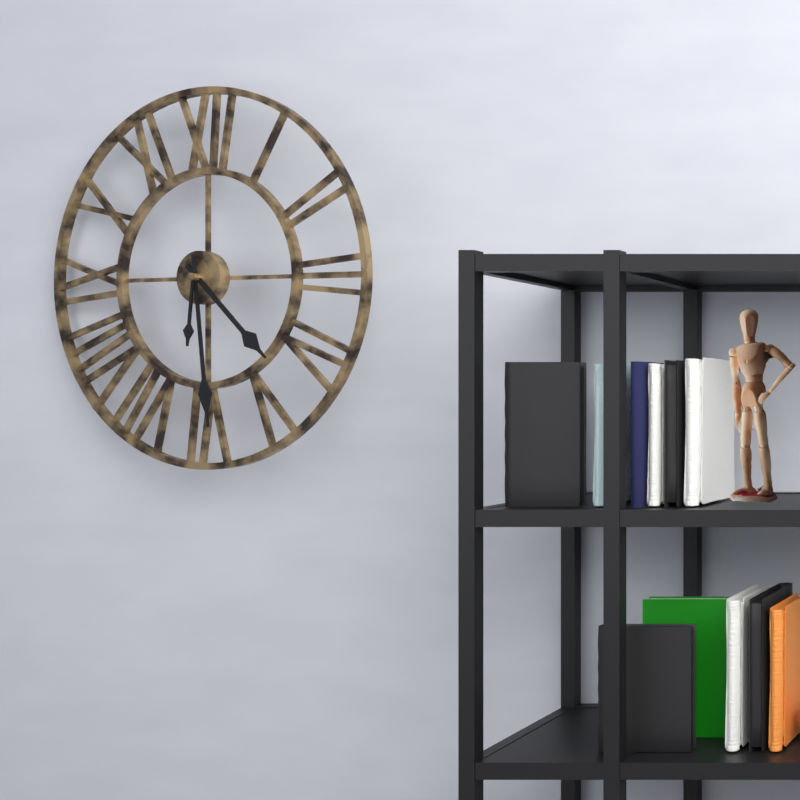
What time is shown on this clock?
4:29:31
